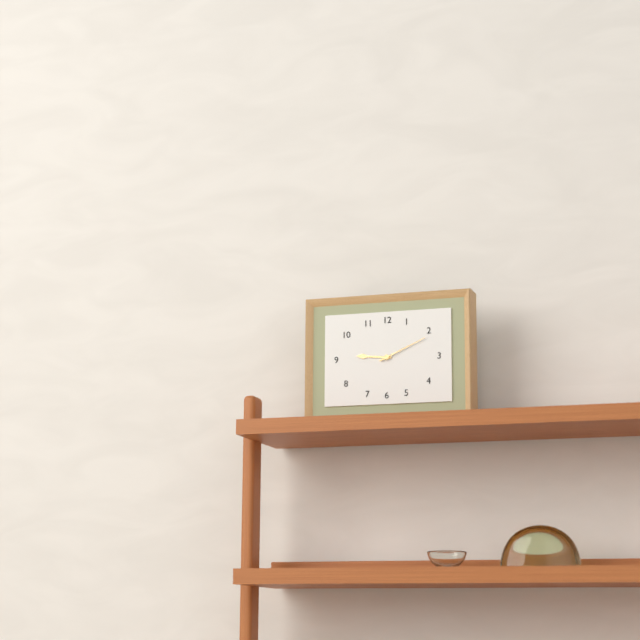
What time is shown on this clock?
9:11
